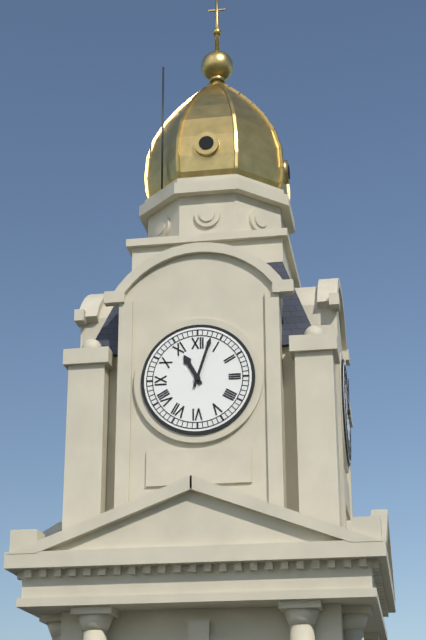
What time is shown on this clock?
11:03
